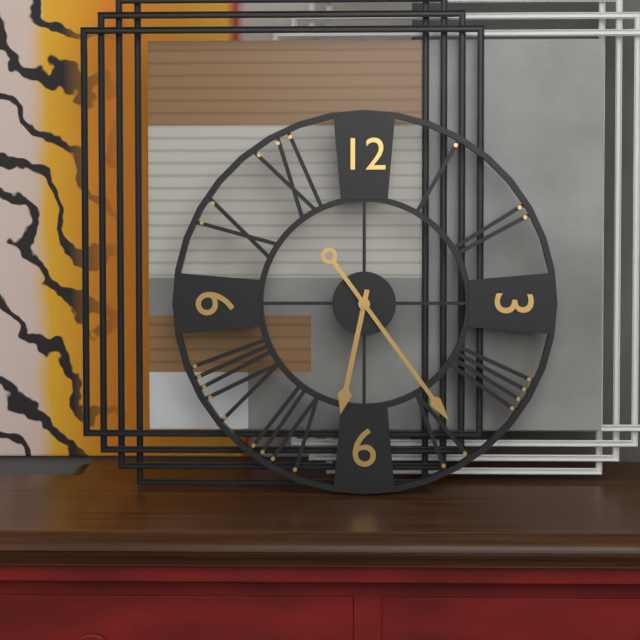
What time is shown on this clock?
6:24
